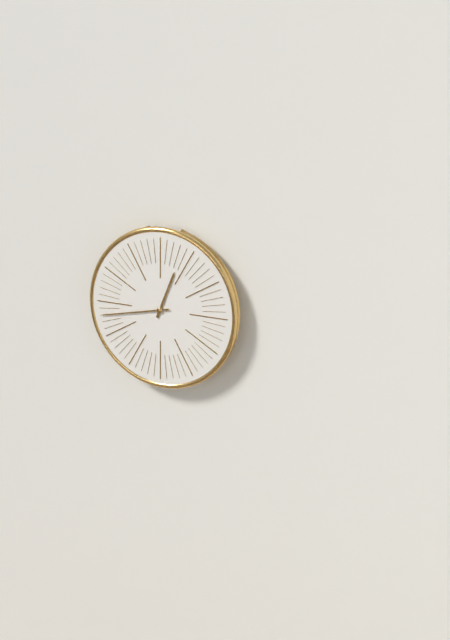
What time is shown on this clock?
12:43
